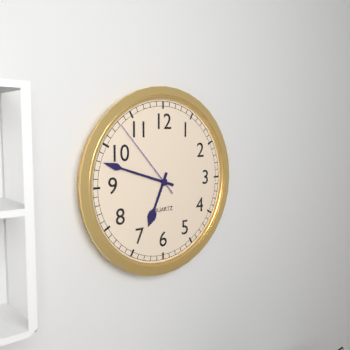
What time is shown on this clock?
6:48:53
